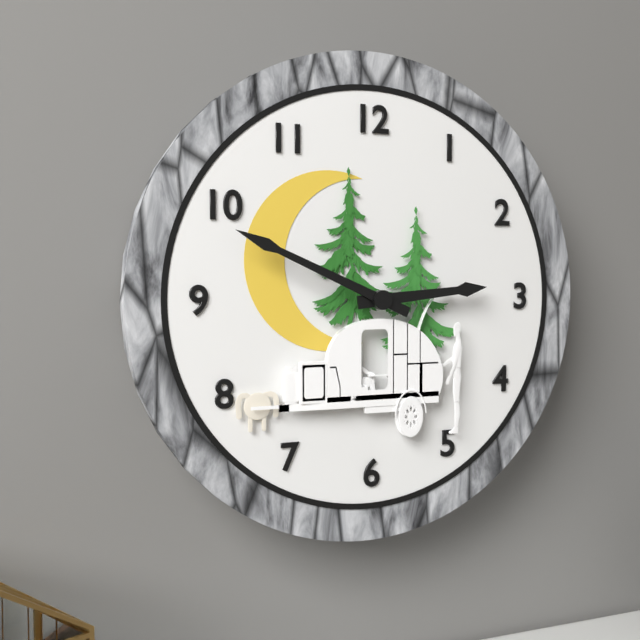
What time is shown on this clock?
2:49
